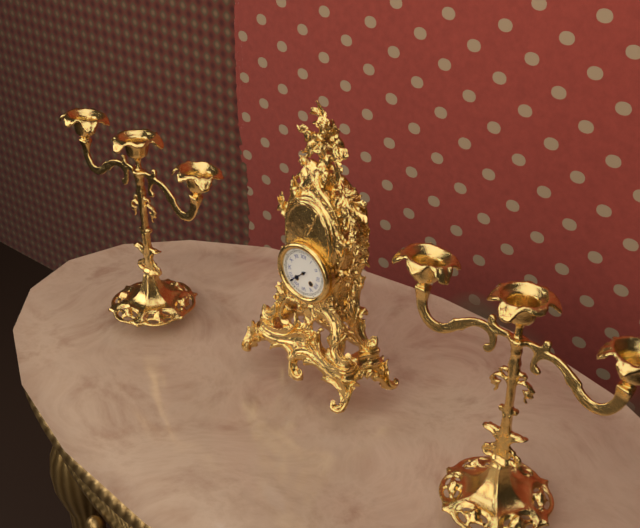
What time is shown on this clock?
7:38
